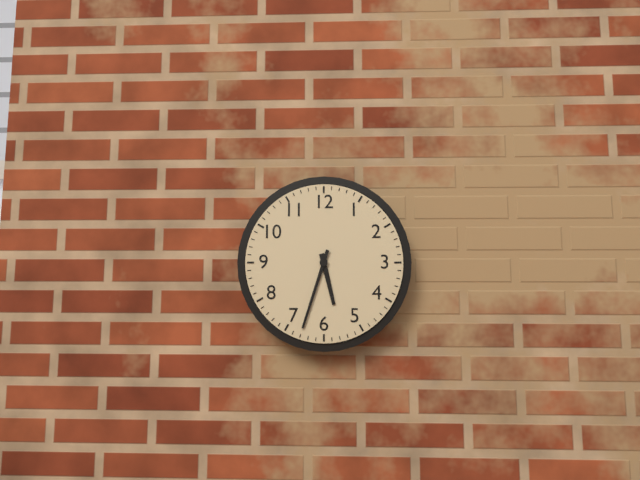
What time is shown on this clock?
5:33
